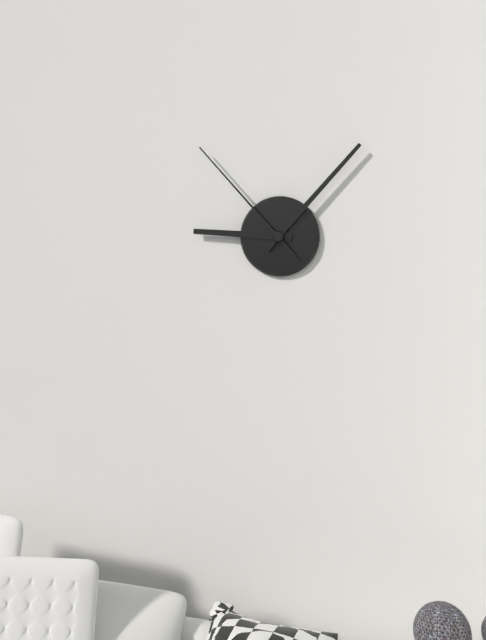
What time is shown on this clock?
9:07:53
